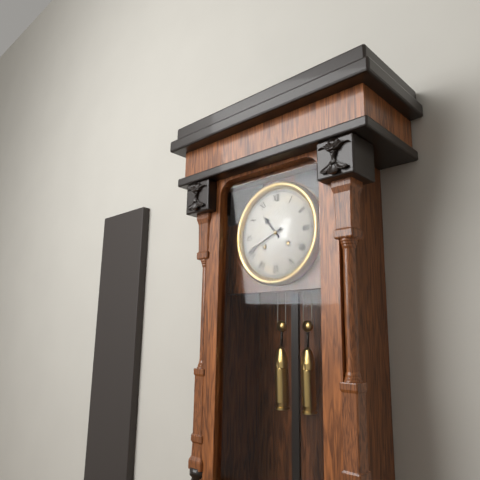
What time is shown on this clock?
10:41
